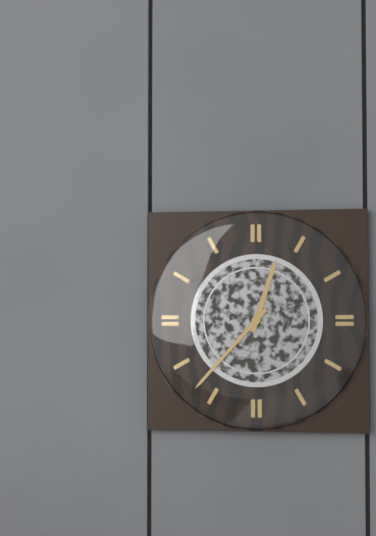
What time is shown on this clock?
12:37
